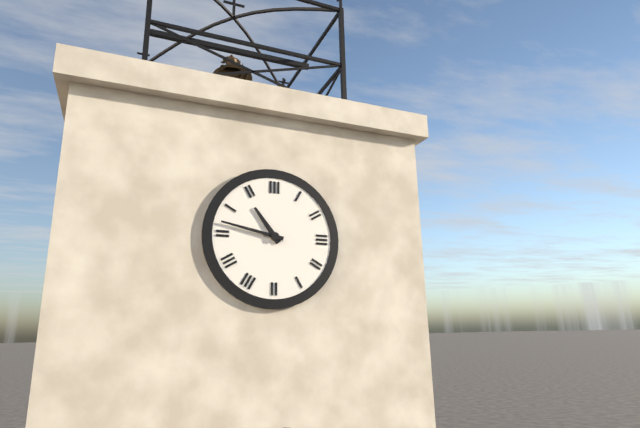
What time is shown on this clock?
10:47
